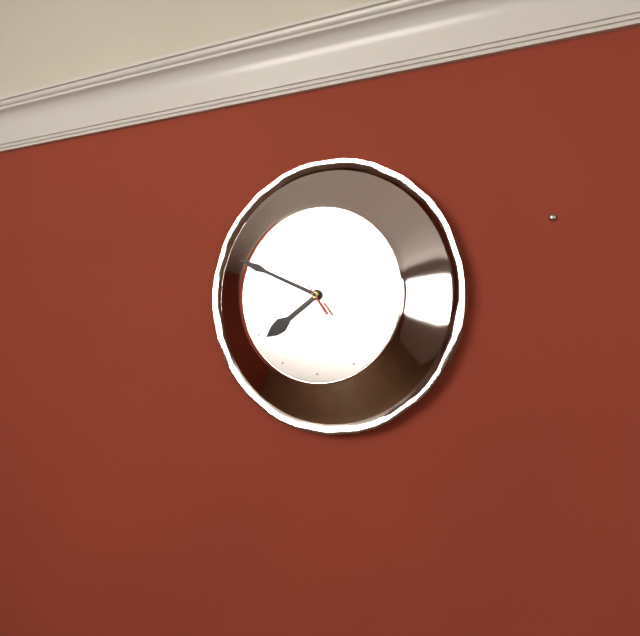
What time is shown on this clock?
7:49:54
